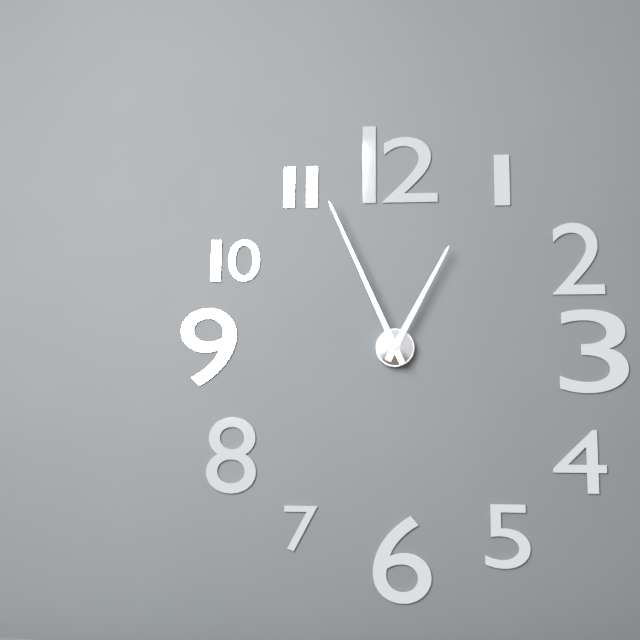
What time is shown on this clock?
12:56
